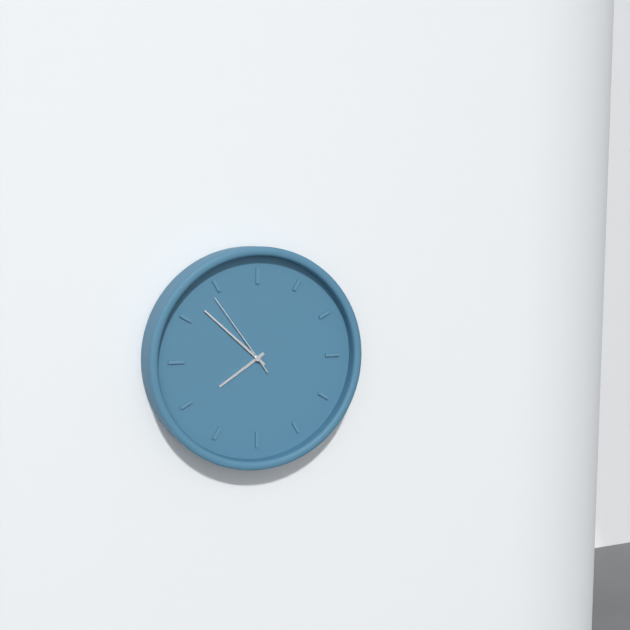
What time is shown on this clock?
7:52:54
